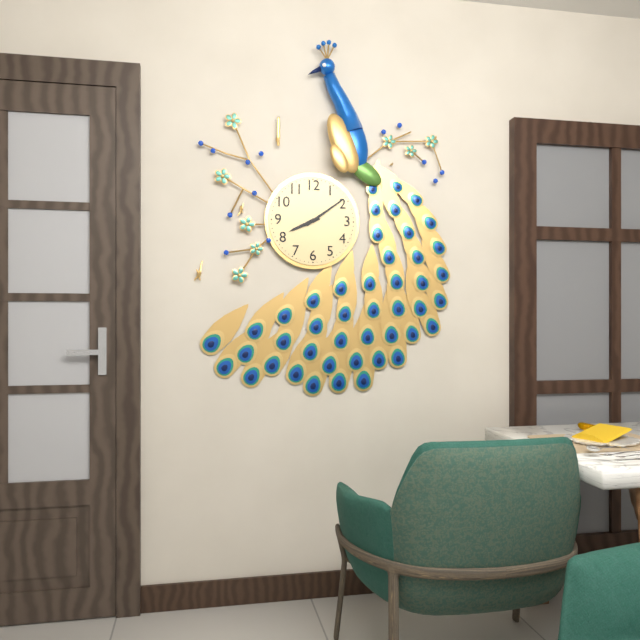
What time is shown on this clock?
8:09
